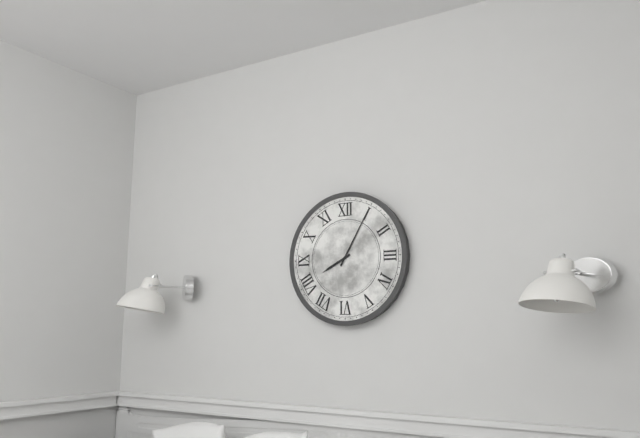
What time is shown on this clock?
8:05
